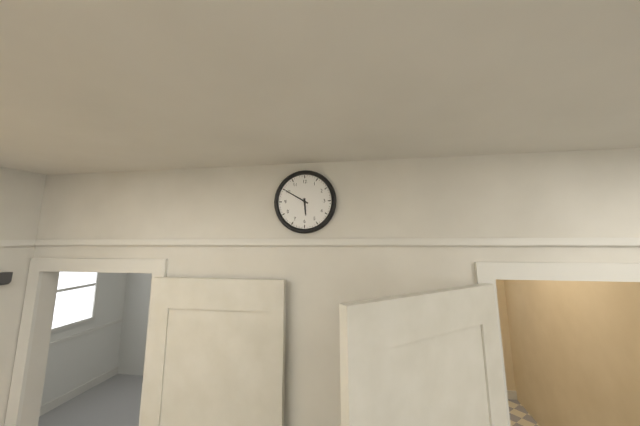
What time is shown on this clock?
5:50
